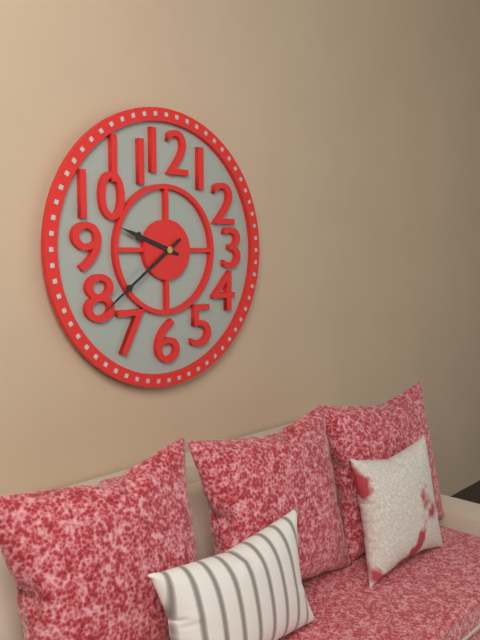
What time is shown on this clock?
9:39
